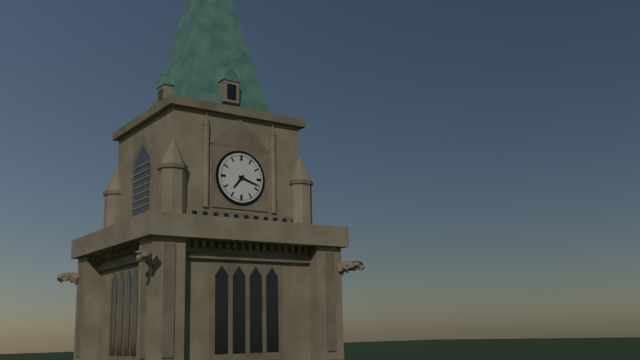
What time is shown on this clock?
7:18
